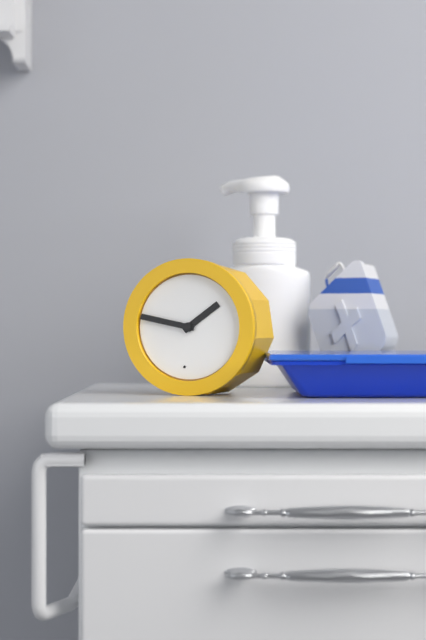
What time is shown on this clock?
1:47
